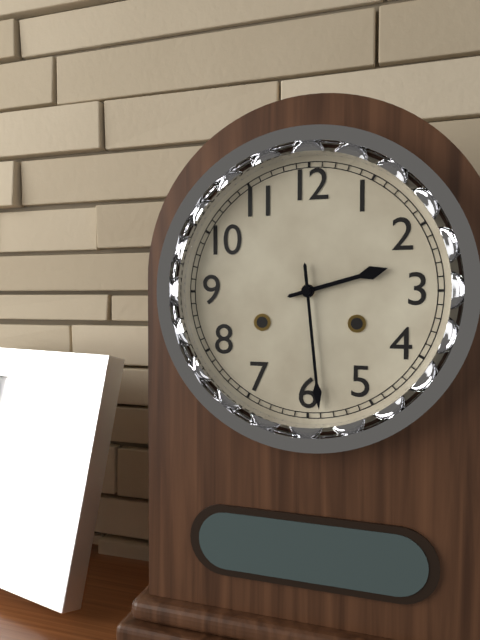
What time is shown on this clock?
2:29
